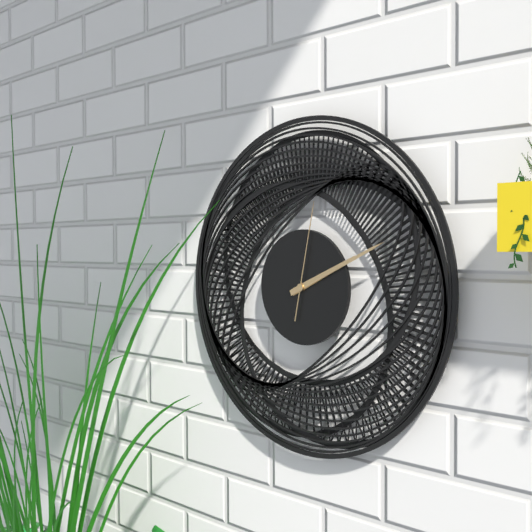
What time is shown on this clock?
2:11:02
